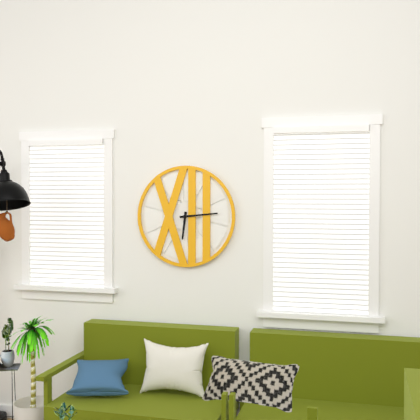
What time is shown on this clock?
6:14
